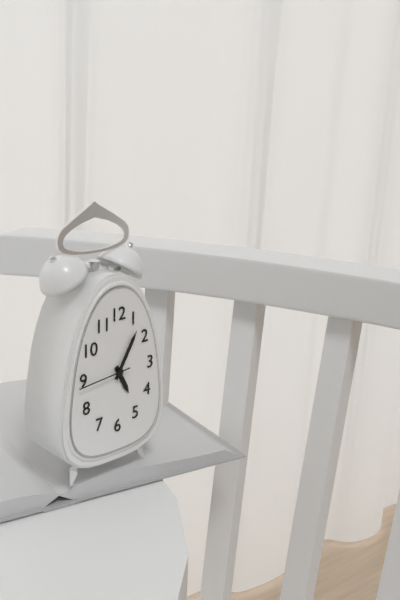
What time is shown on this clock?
5:05:44
